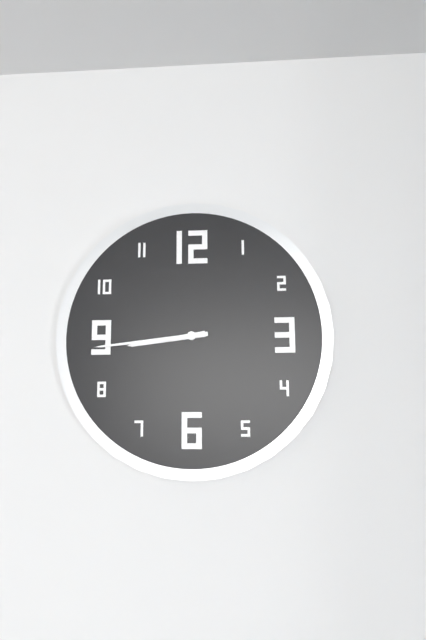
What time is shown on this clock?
8:44
